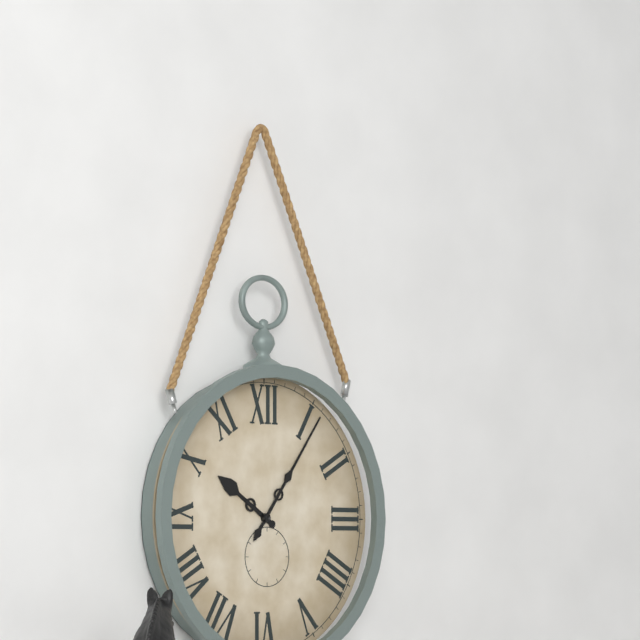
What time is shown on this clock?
10:06
